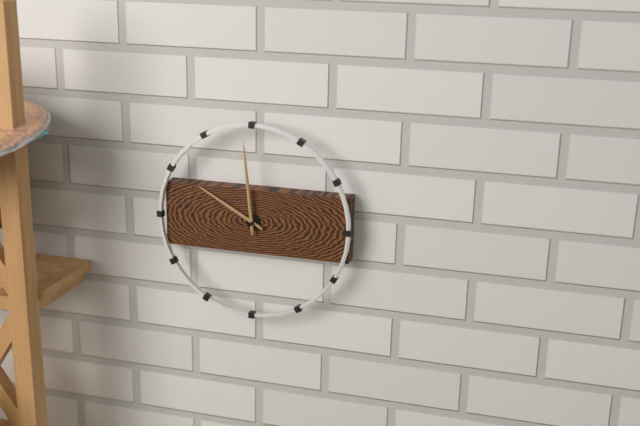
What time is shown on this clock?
9:59
